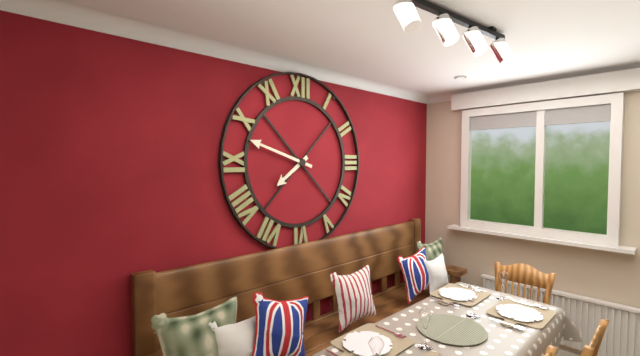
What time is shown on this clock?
7:48
